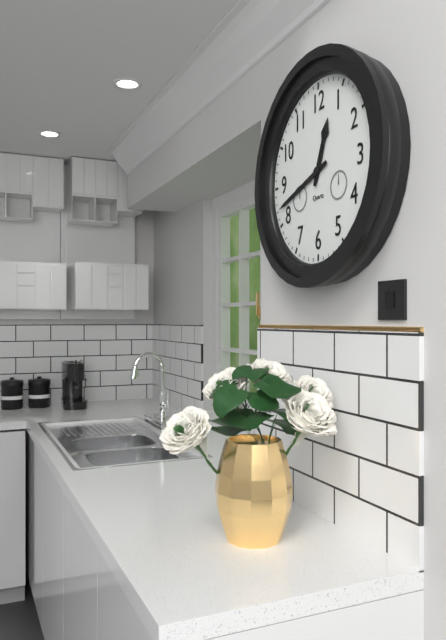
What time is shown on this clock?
12:42
